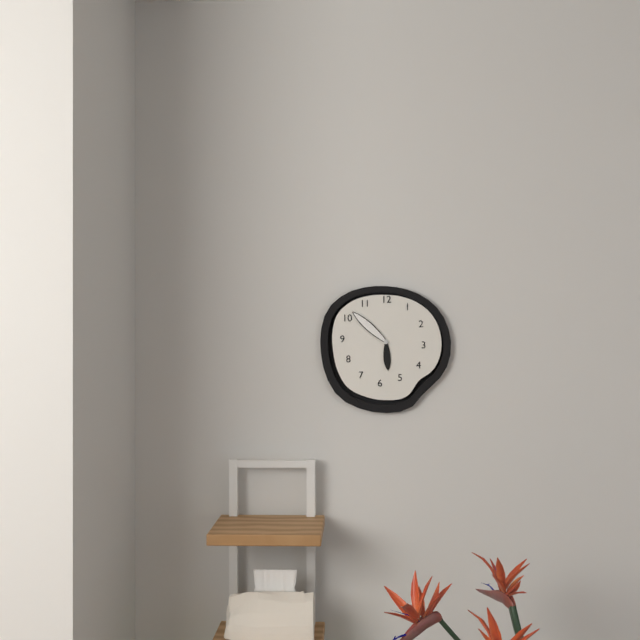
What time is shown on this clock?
5:52
